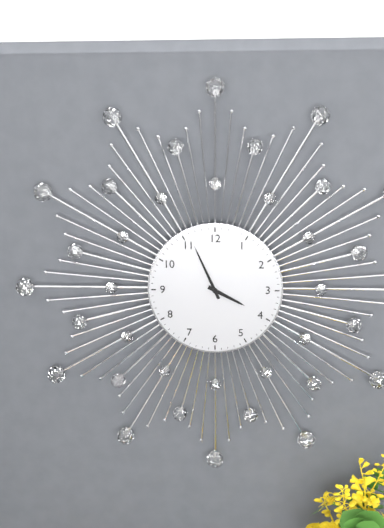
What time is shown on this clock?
3:56
